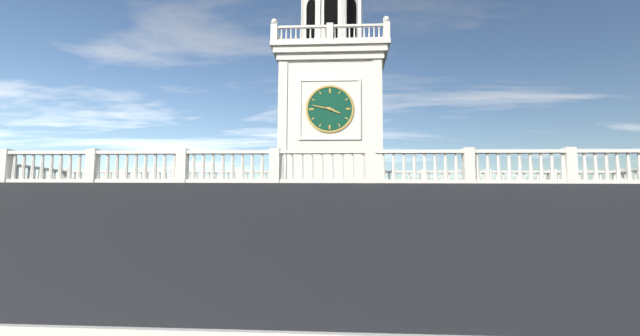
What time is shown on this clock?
3:47
